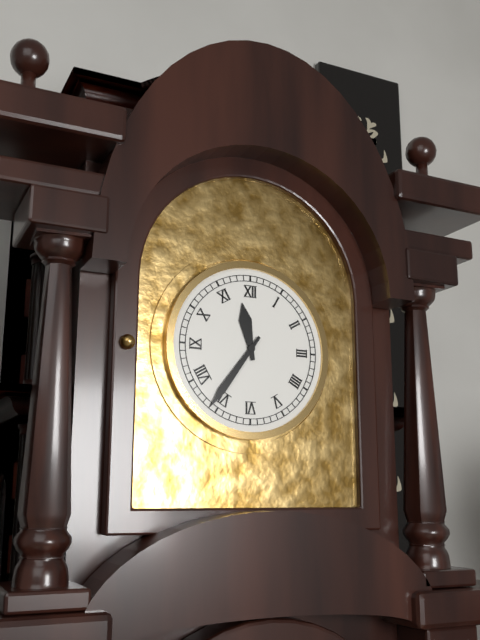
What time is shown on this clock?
11:36
